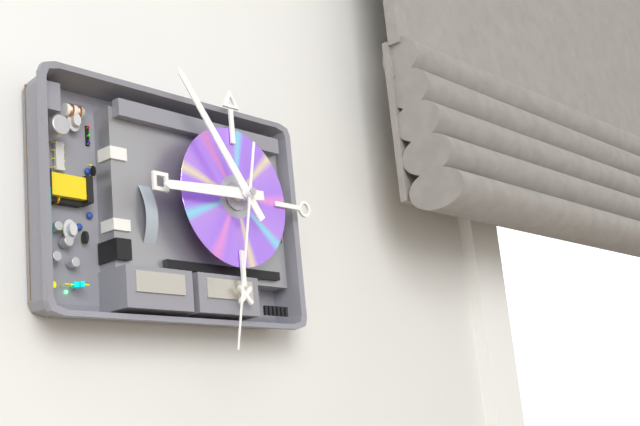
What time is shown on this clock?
8:54:32
